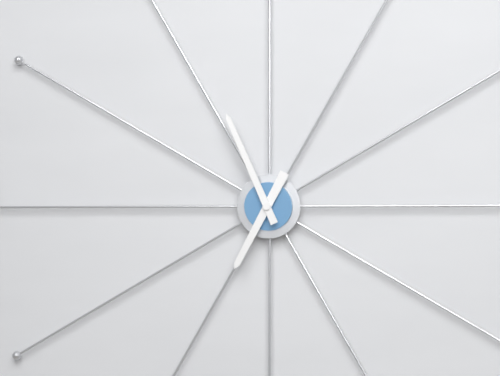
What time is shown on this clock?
6:56
